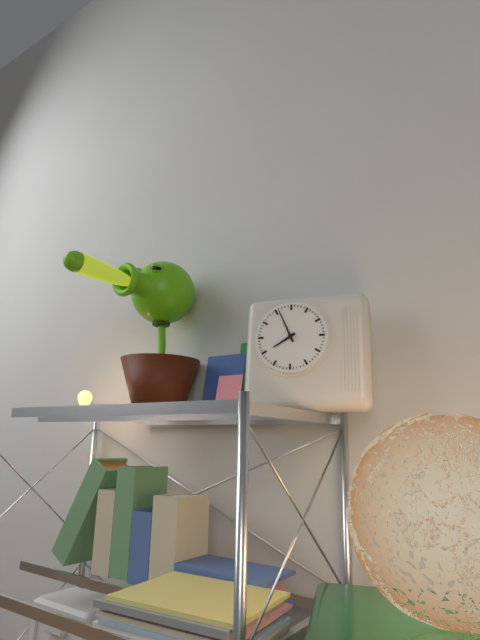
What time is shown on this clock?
7:56
